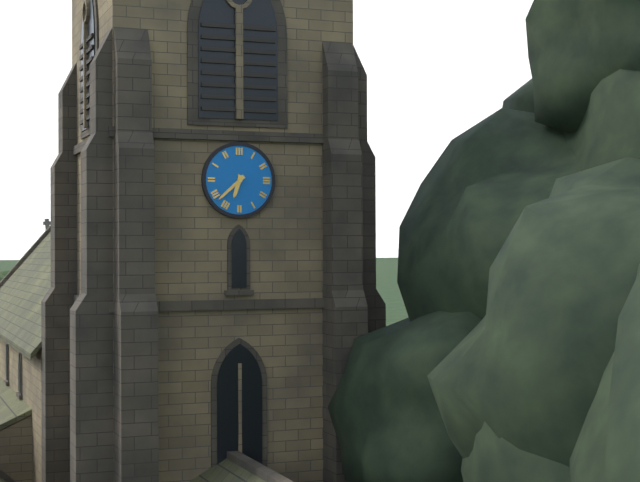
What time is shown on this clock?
6:38
